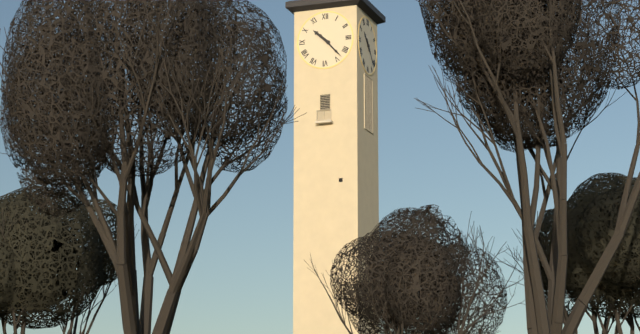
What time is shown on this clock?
10:23
